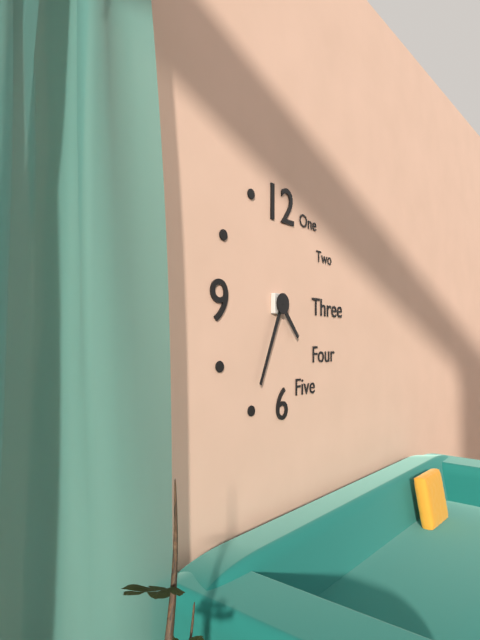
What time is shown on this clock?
4:34
